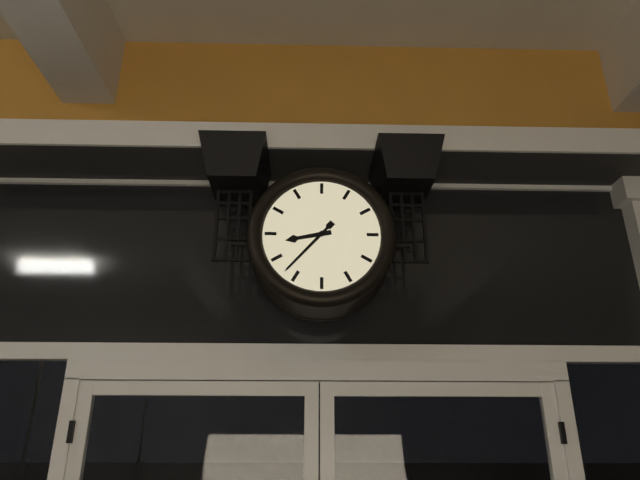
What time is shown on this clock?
8:37
